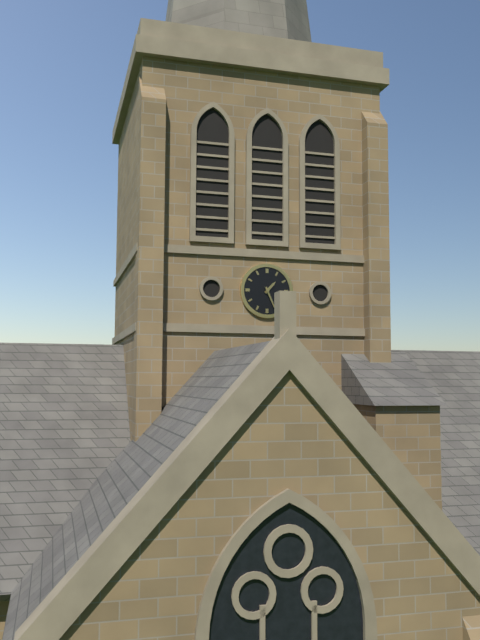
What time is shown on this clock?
1:26
